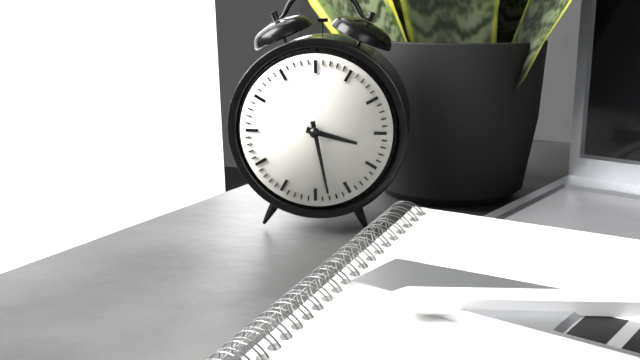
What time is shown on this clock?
3:28
